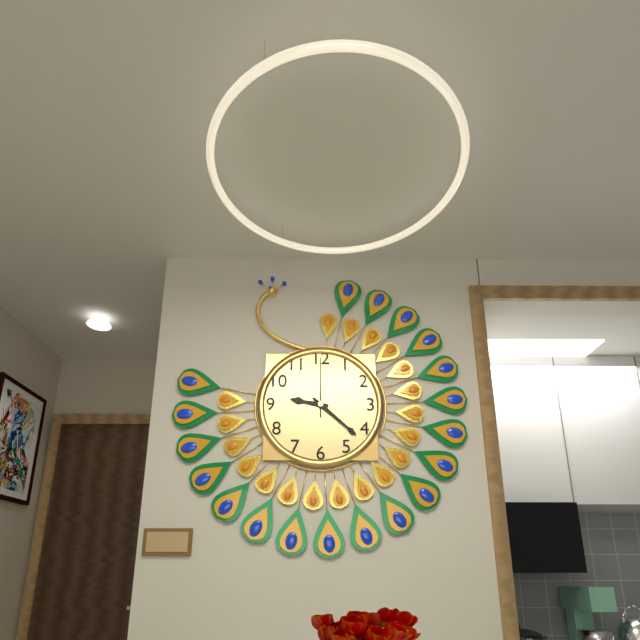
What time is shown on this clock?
9:22:00
